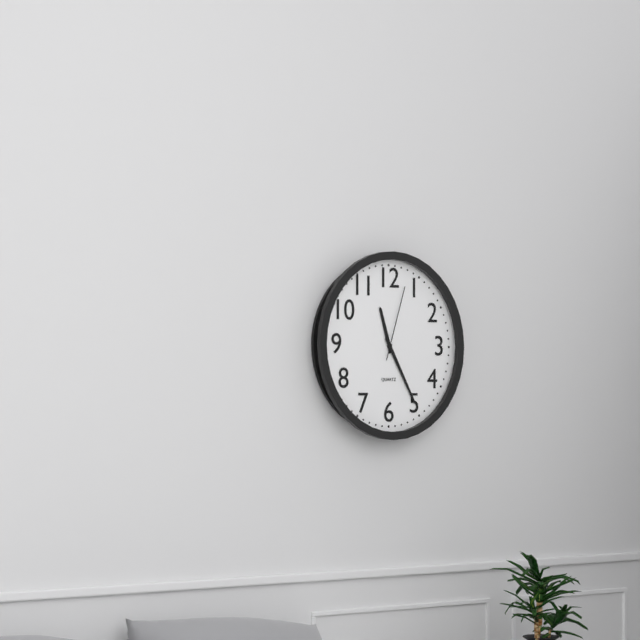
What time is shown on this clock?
11:25:03
